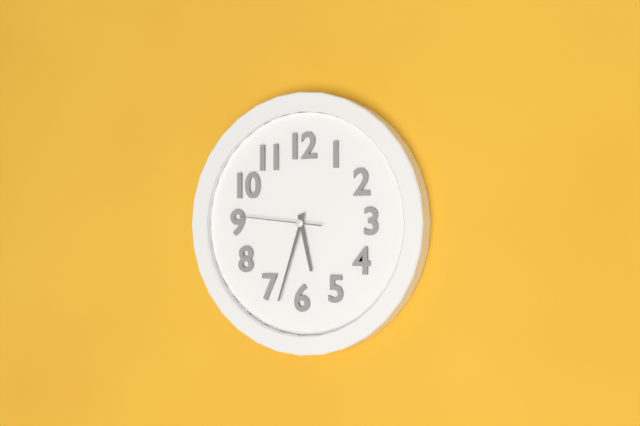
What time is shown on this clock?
5:33:46
